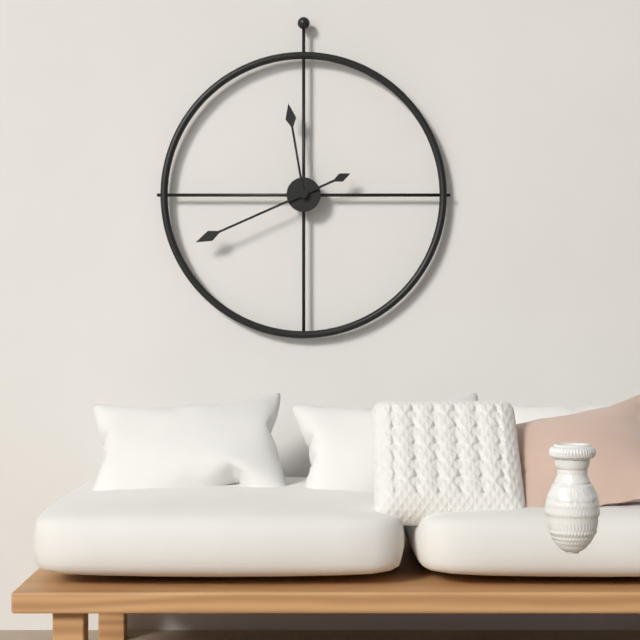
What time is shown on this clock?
11:41
